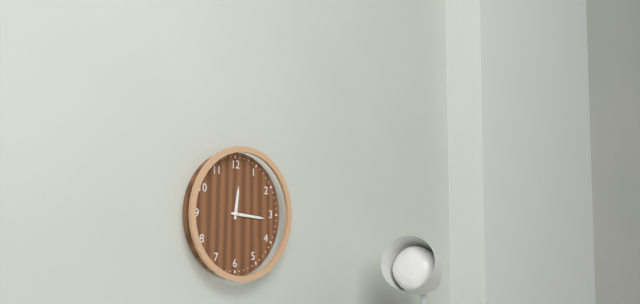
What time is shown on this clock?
12:16
